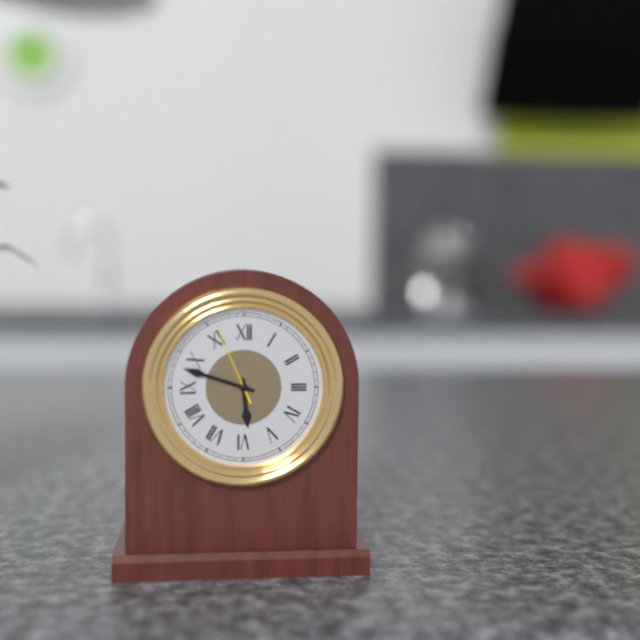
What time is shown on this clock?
5:48:56
